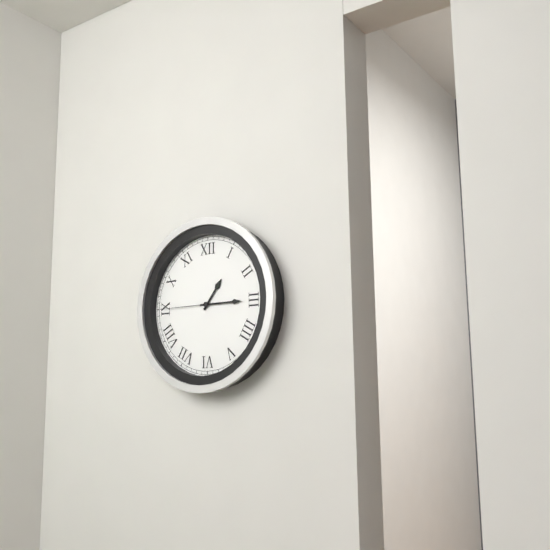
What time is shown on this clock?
1:15:45
